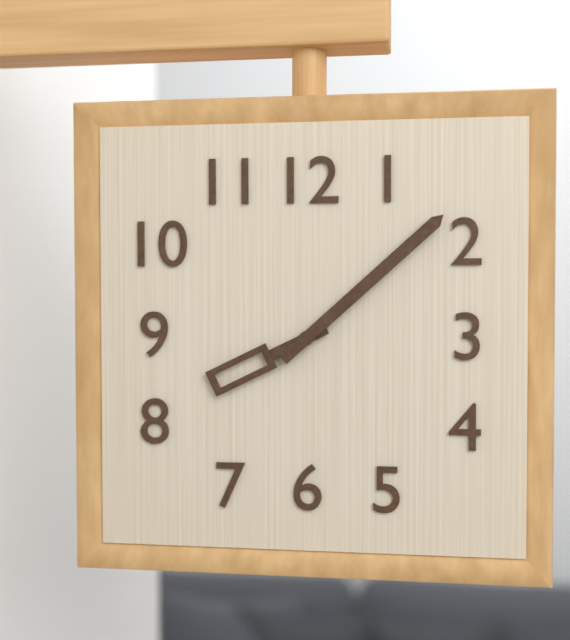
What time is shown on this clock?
8:08
